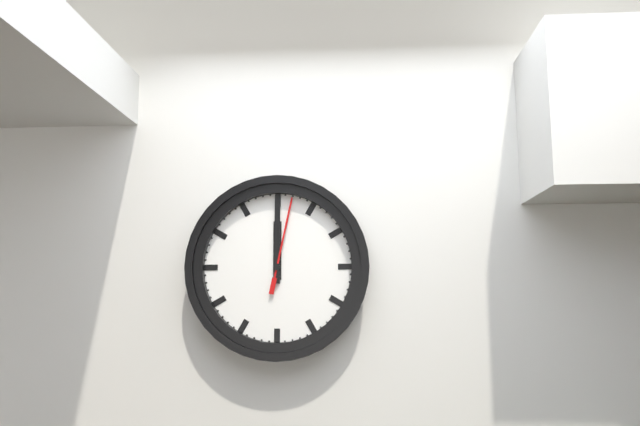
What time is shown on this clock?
12:00:02
